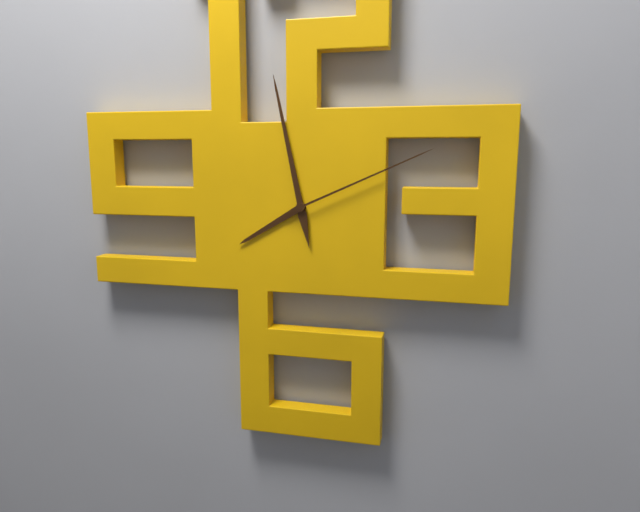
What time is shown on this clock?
7:58:11
